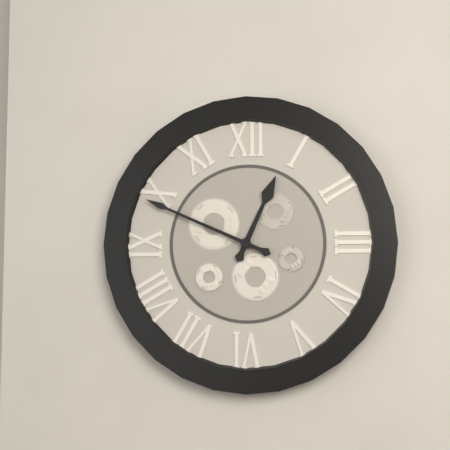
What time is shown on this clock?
12:49
